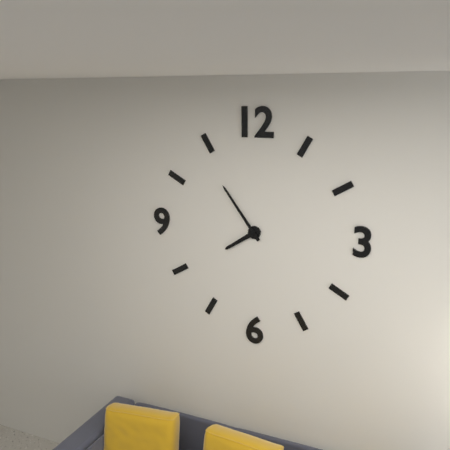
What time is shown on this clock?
7:54
